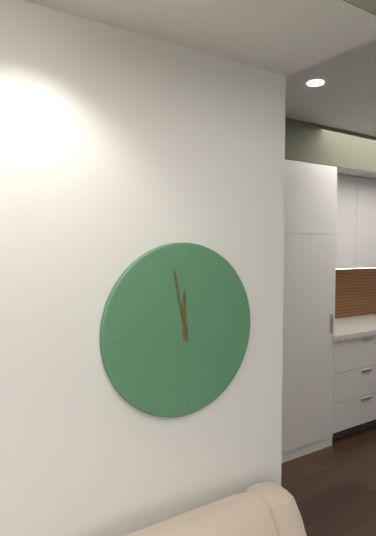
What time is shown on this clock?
11:58
